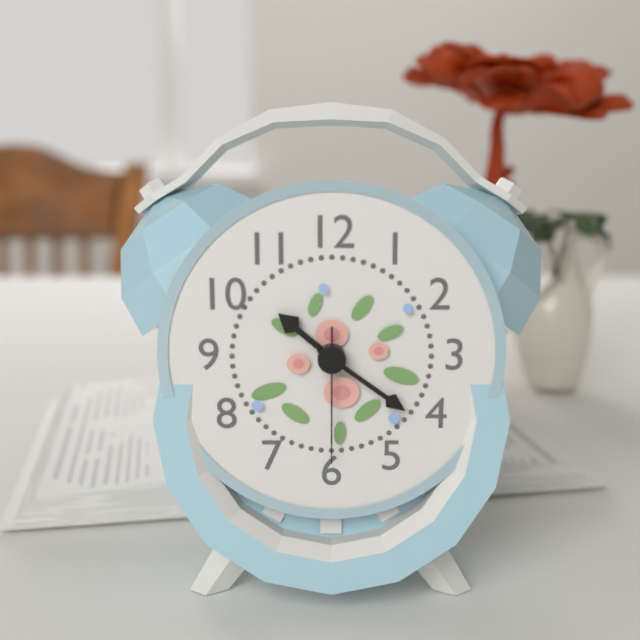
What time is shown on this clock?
10:21:30
